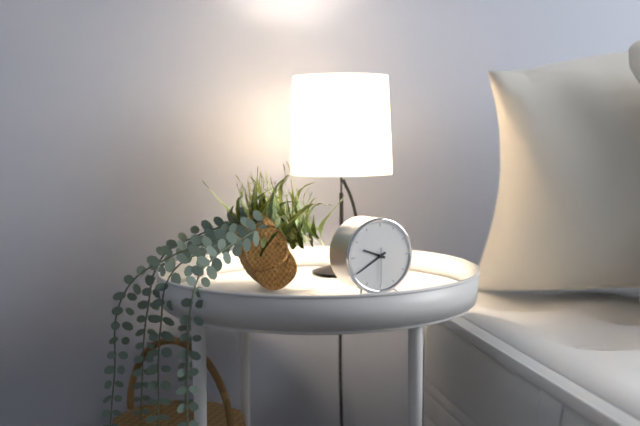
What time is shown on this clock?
9:40
